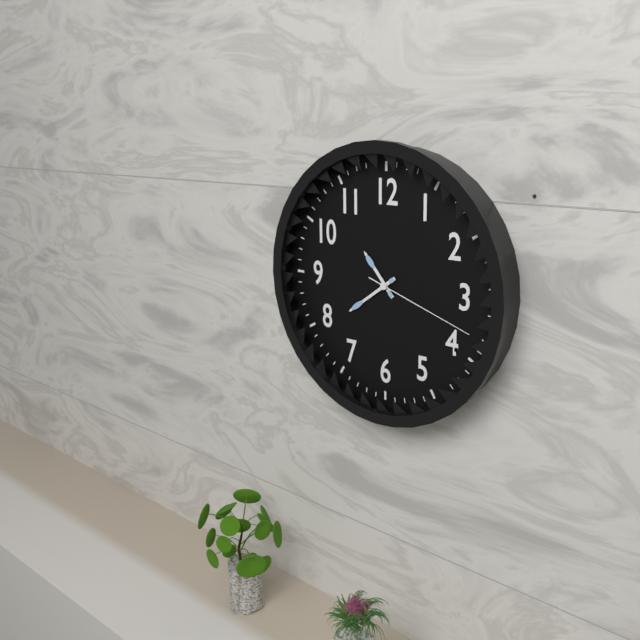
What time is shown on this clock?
10:39:18
